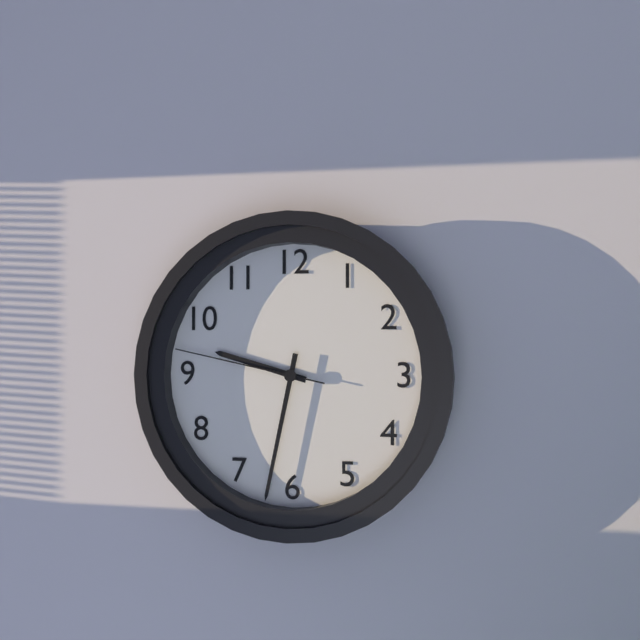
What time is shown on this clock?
9:32:47
